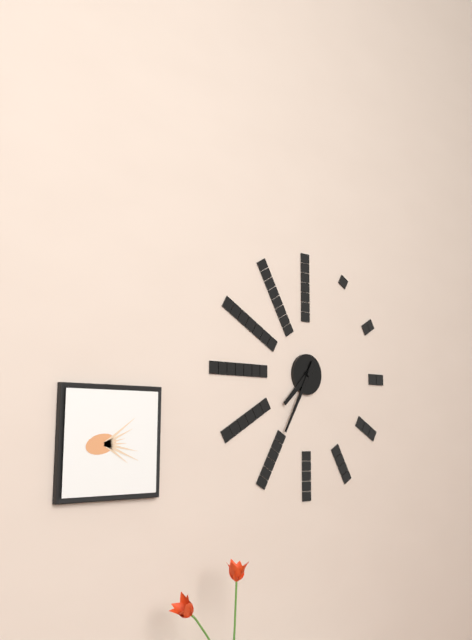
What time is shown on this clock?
7:35
